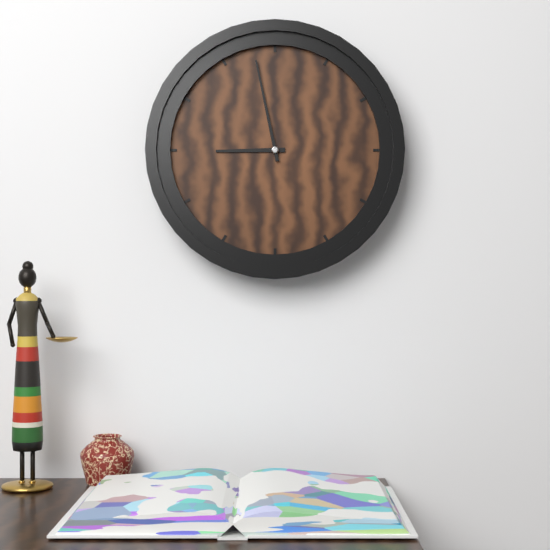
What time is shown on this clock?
8:58
